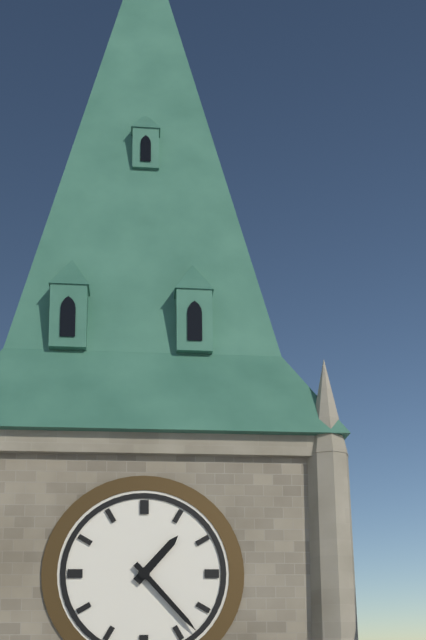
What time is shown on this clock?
1:23
